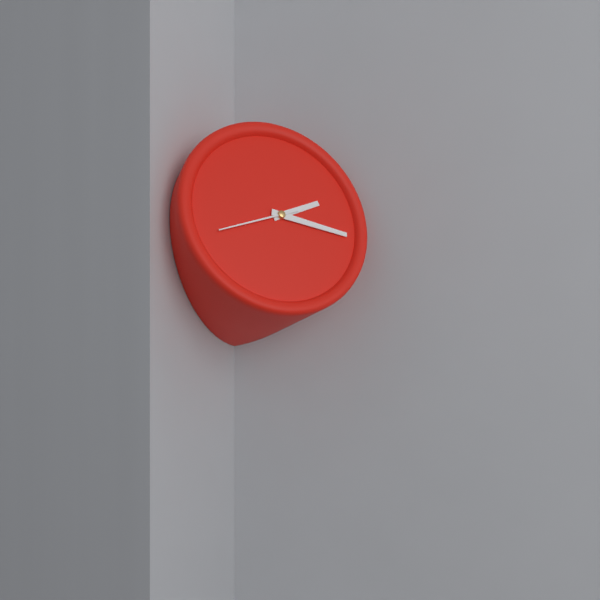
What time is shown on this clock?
2:17:42
